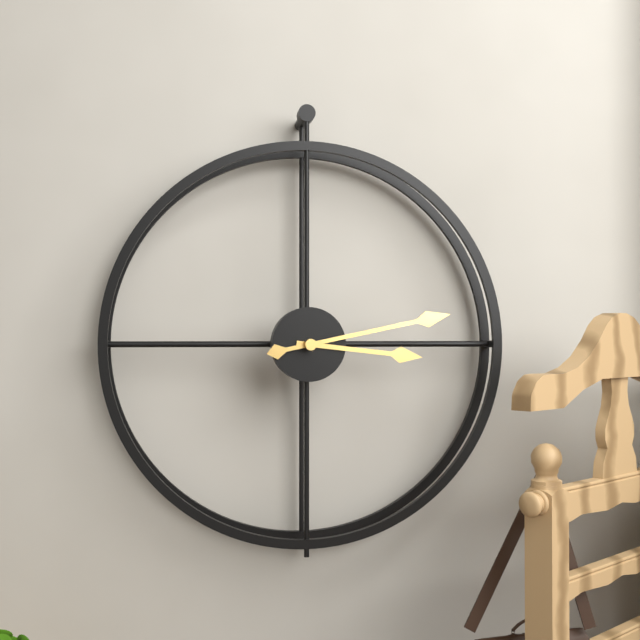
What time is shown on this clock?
3:13
